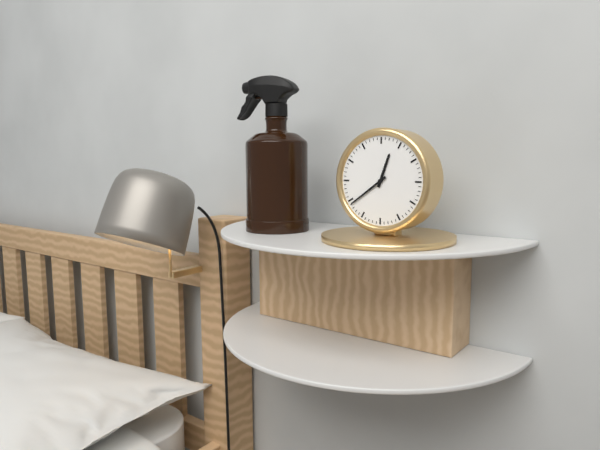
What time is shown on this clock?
12:39
